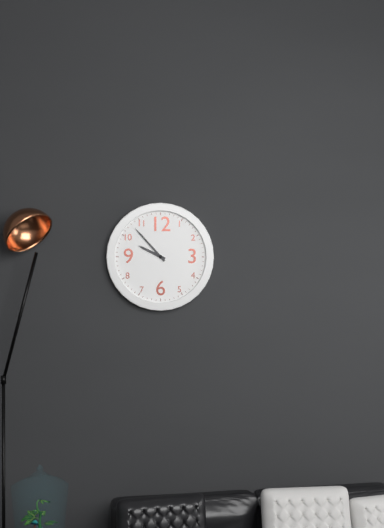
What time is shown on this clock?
9:53
